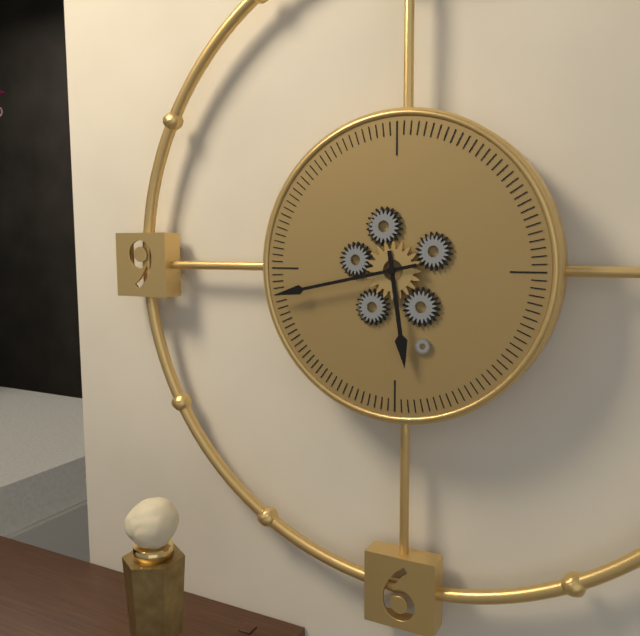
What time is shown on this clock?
5:43
